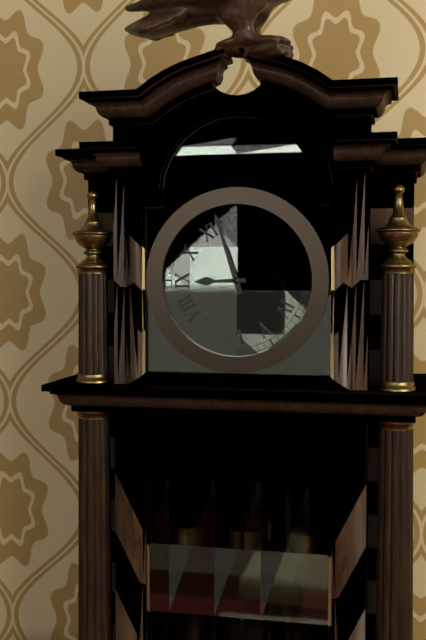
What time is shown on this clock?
8:57
